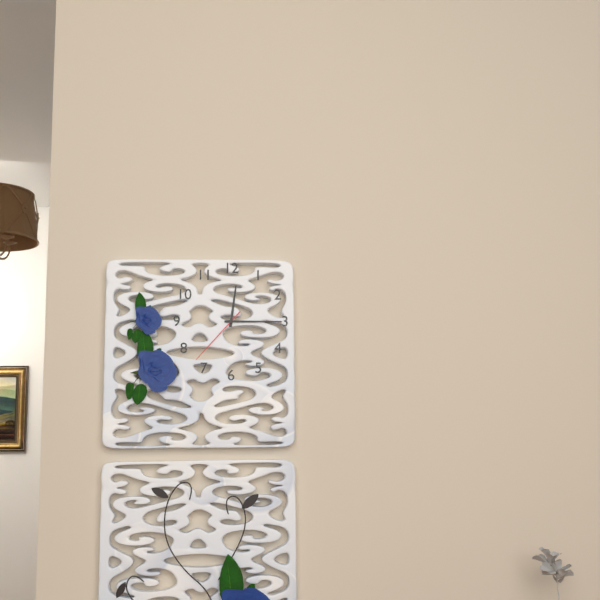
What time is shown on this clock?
12:15:37
